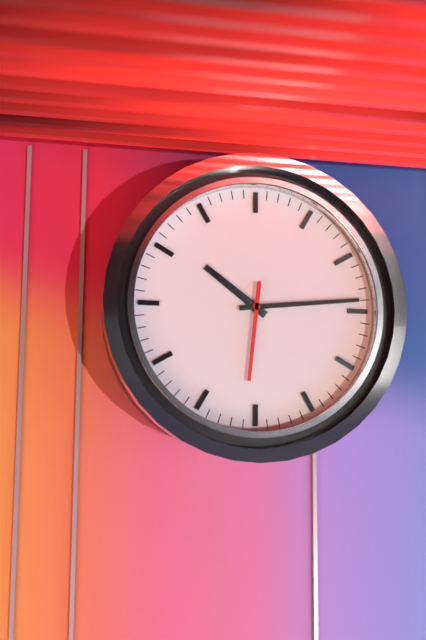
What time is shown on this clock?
10:14:31
